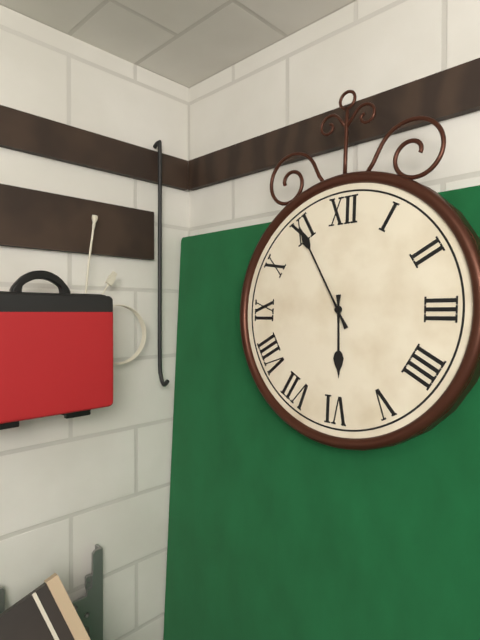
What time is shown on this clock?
5:55
